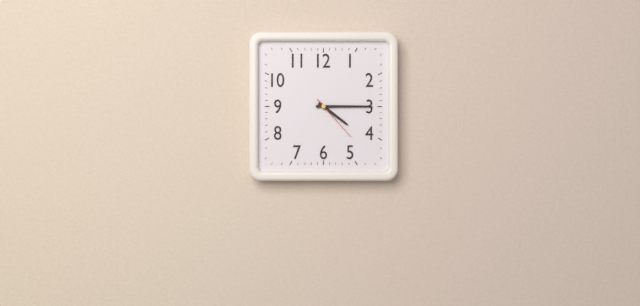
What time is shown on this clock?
4:15:23
